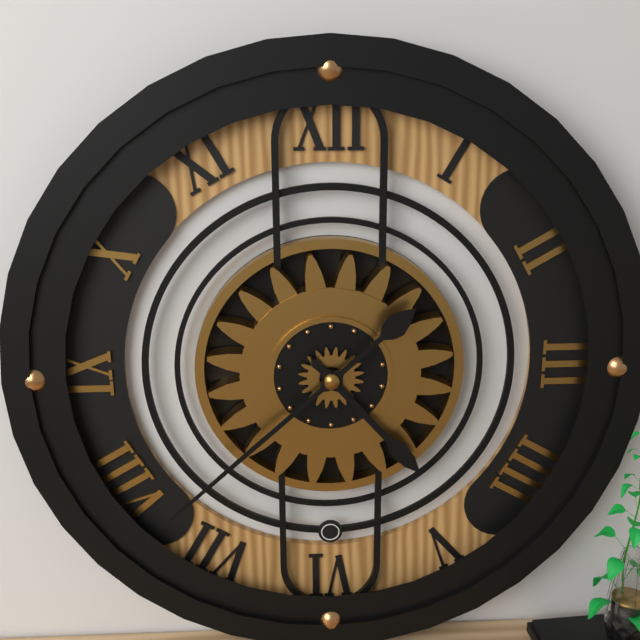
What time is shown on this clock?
4:38
